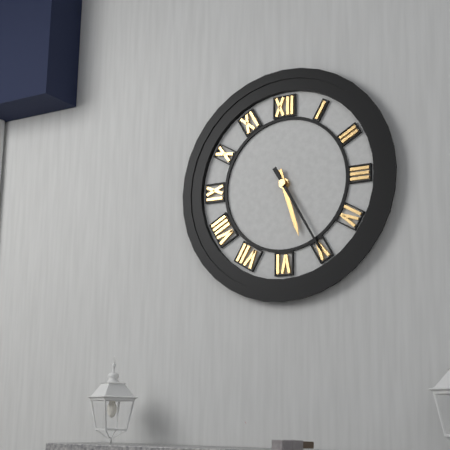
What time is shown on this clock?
5:25
